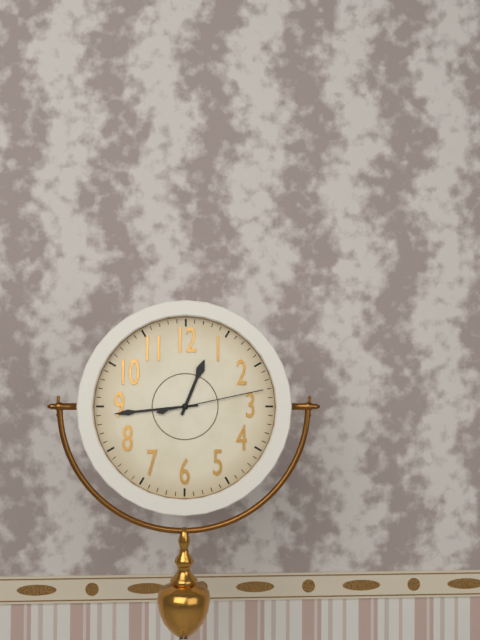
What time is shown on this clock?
12:44:13
